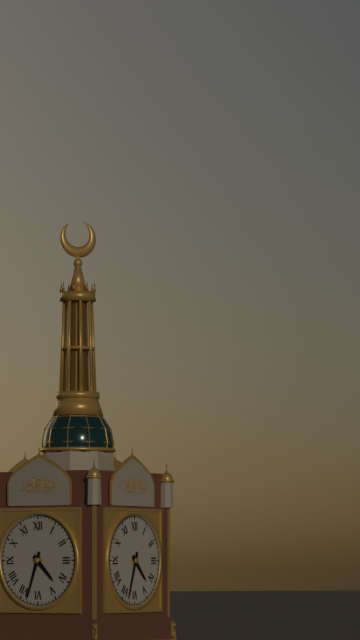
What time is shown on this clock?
4:33
